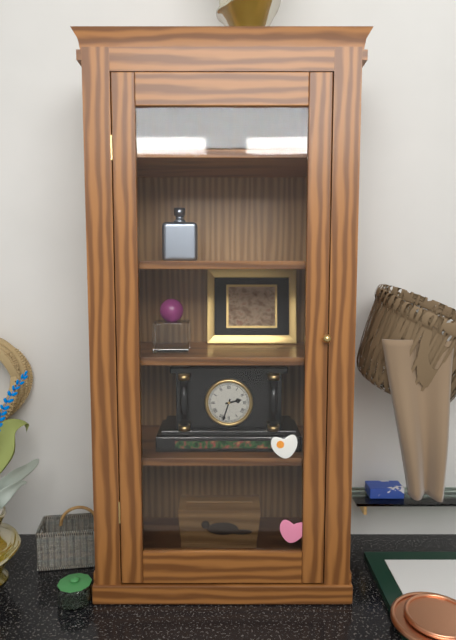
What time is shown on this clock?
2:33
